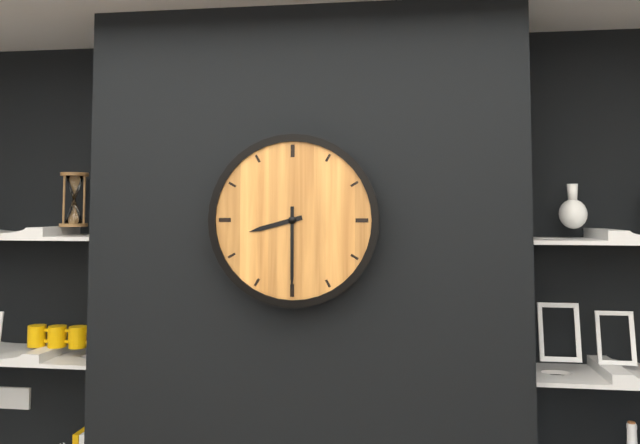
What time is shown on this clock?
8:30
